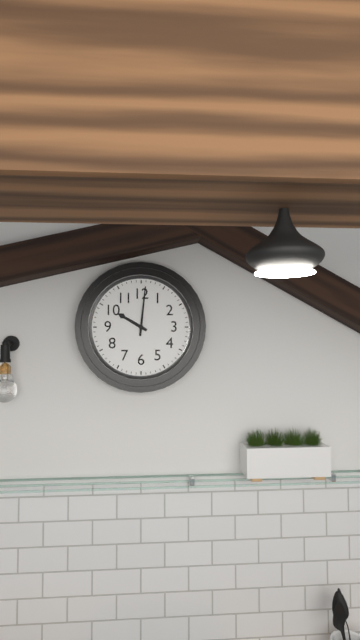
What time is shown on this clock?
10:01
